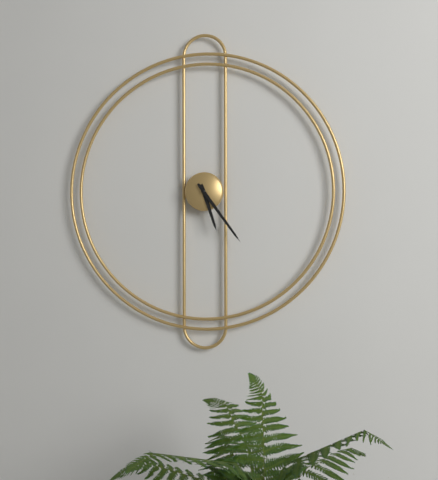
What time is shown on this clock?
5:24
